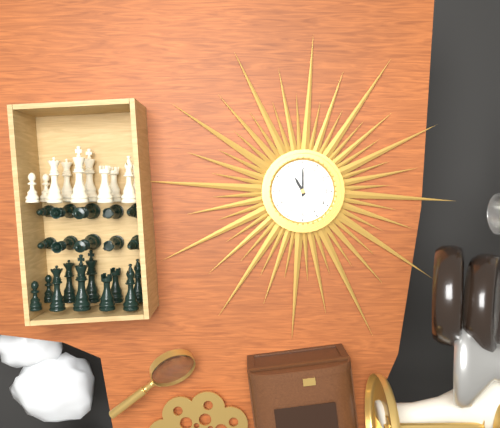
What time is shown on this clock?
11:00
